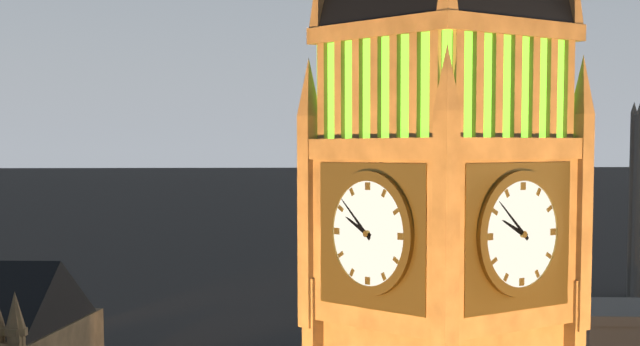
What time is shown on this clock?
9:52
